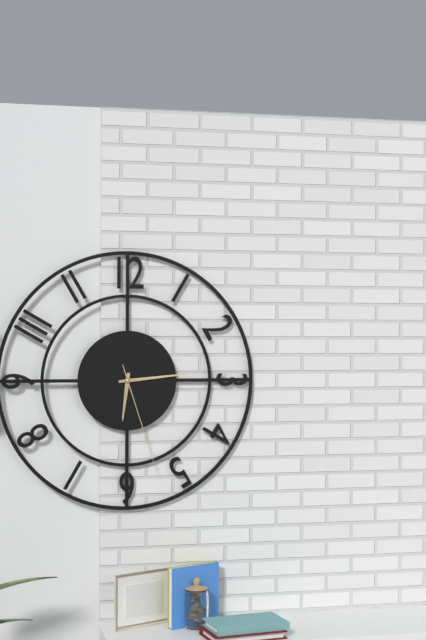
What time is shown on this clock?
6:14:27
